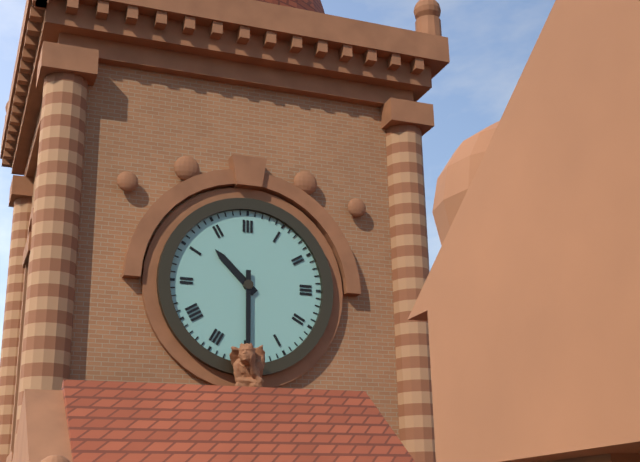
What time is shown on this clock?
10:30
